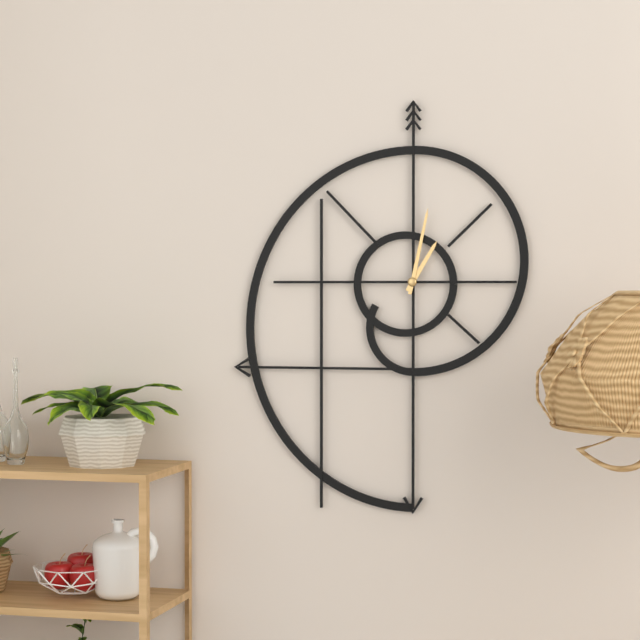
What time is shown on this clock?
1:02
